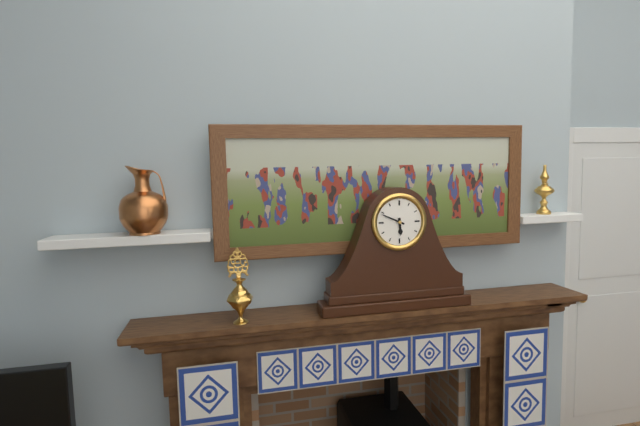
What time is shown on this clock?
5:49
